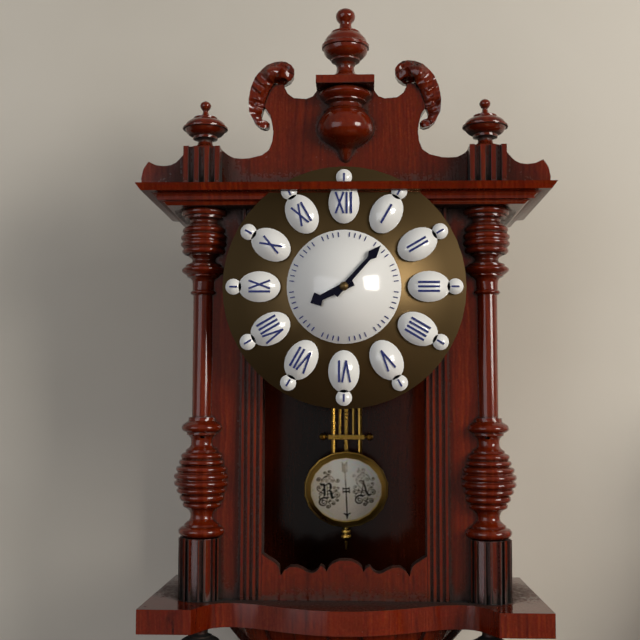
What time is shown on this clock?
8:07
